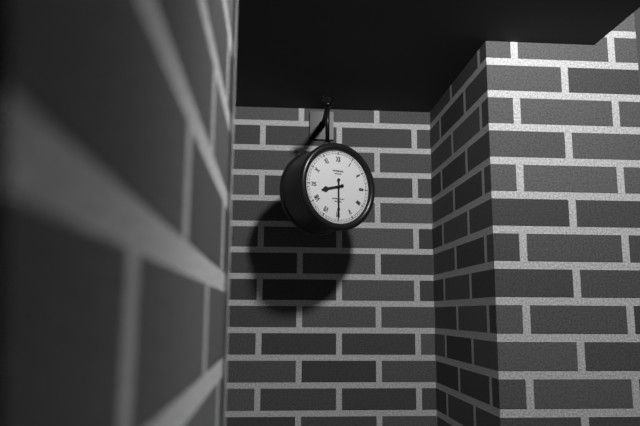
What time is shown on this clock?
8:30
